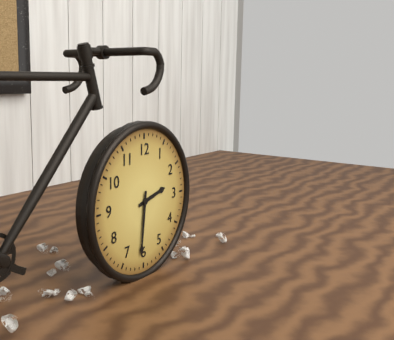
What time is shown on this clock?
2:31
